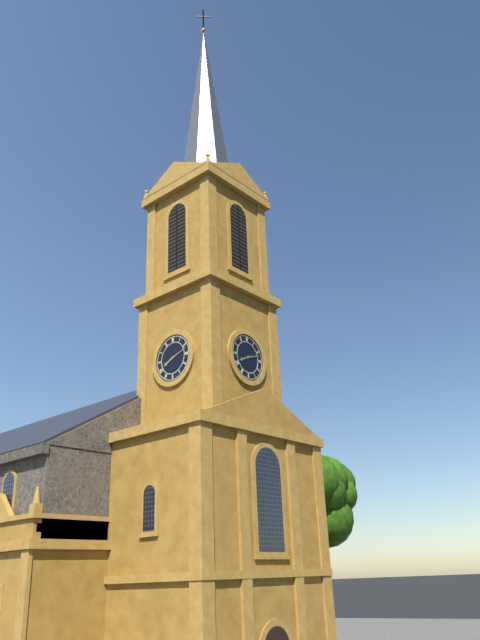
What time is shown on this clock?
8:12
